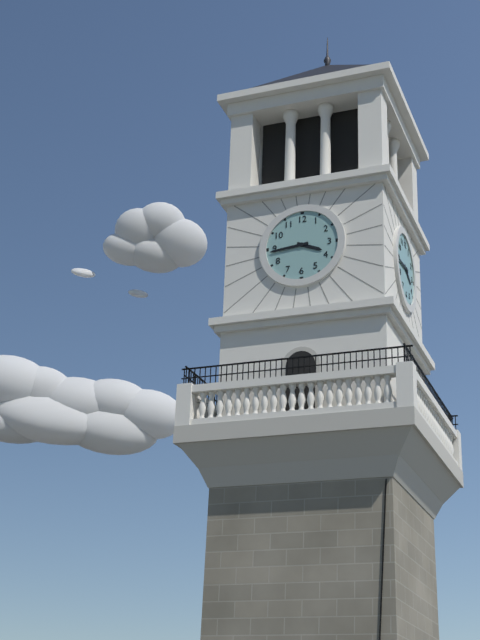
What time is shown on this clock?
3:44
